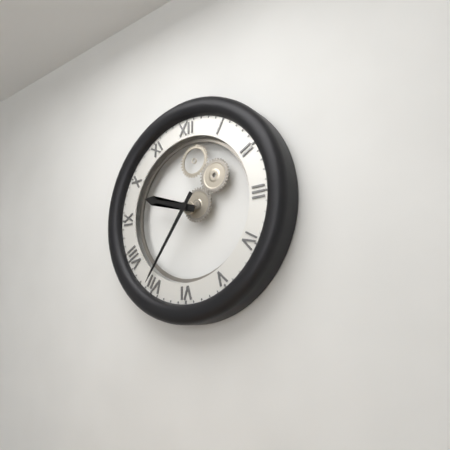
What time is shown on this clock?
9:36
